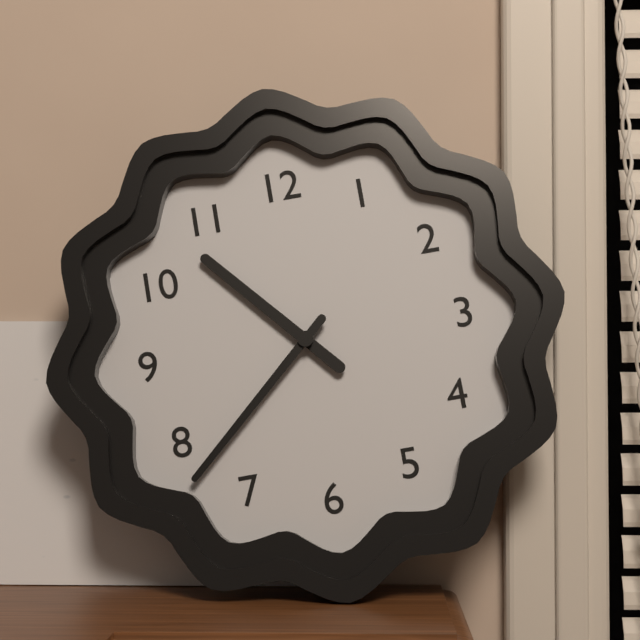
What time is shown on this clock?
10:38
